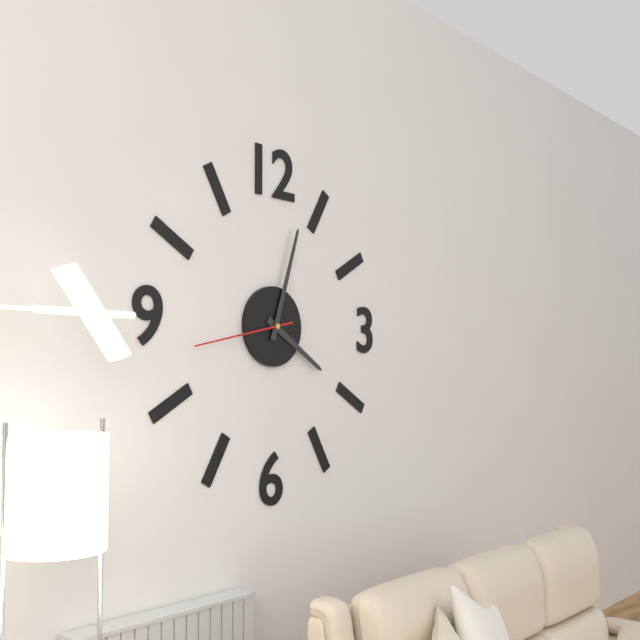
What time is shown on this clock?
4:03:43
